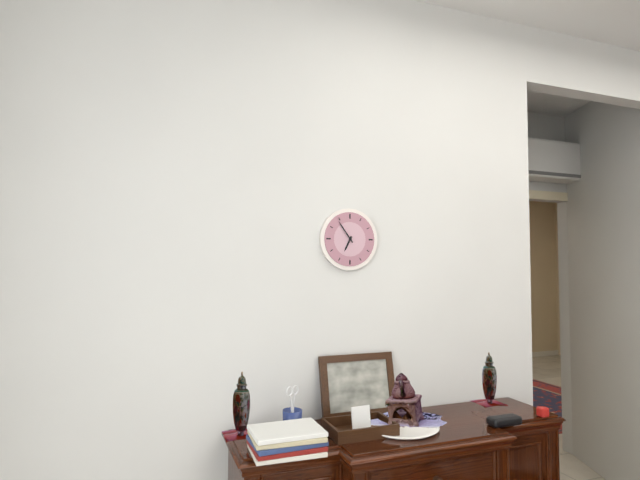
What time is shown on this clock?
6:54
